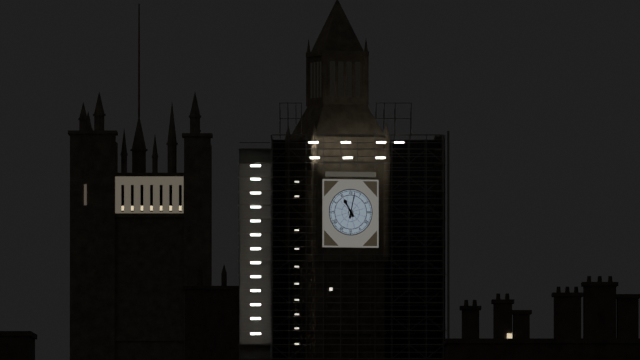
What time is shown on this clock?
11:02
